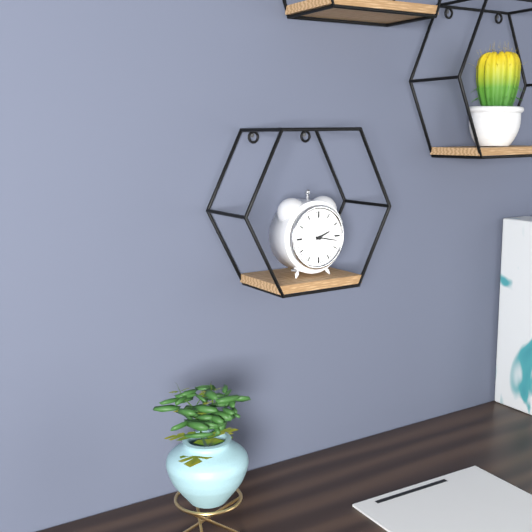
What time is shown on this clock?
2:17
